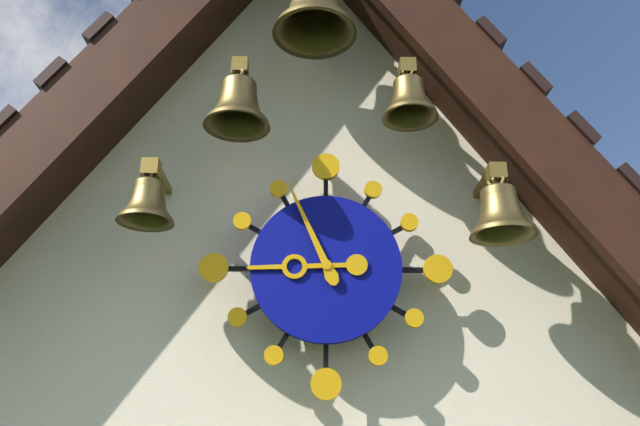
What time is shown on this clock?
8:56
